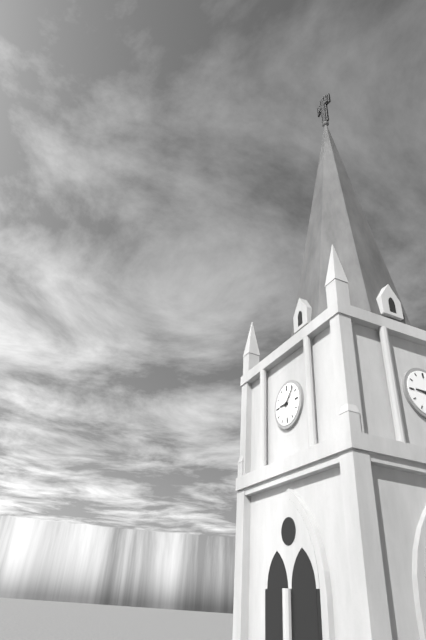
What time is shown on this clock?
9:07
